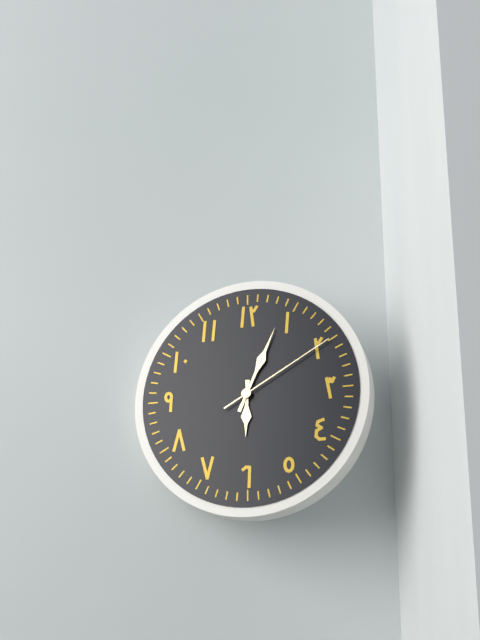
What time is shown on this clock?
6:04:10
